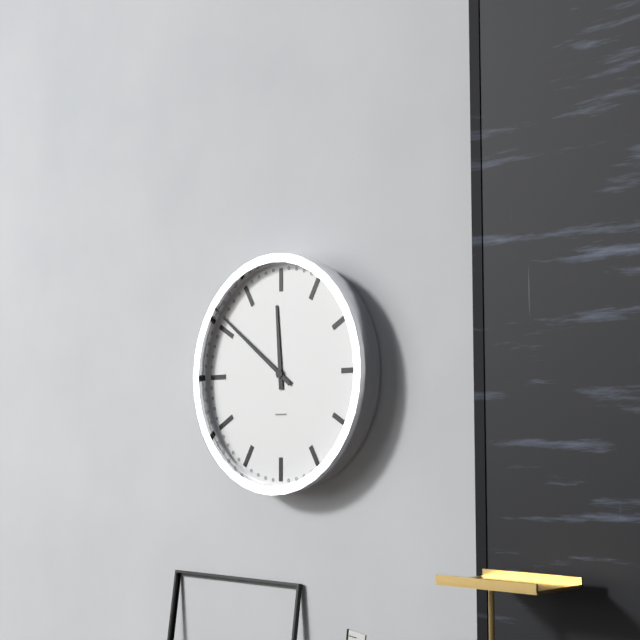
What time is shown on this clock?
11:51
